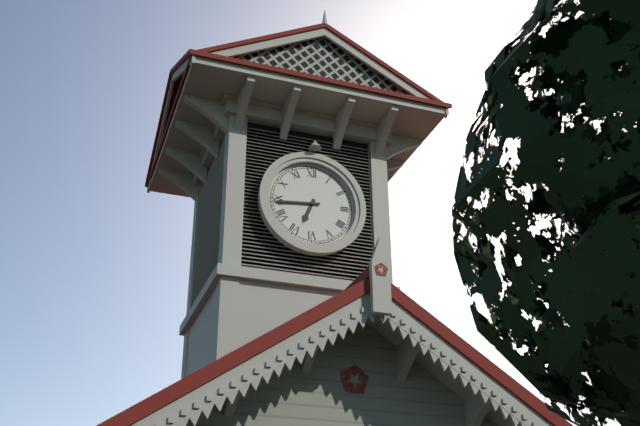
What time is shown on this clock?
6:44
